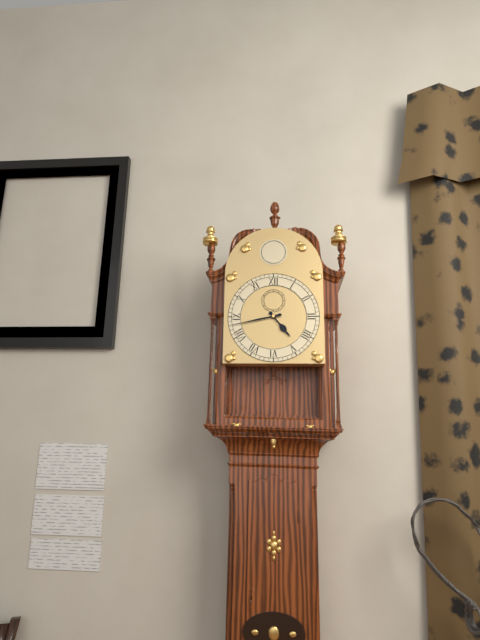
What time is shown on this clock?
4:43
